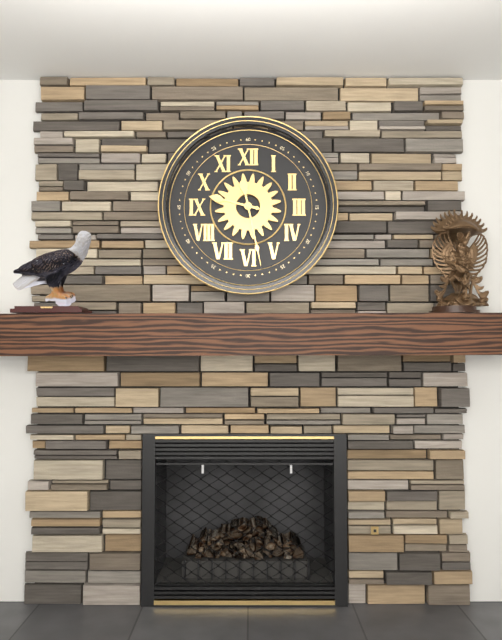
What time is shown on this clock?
9:28
